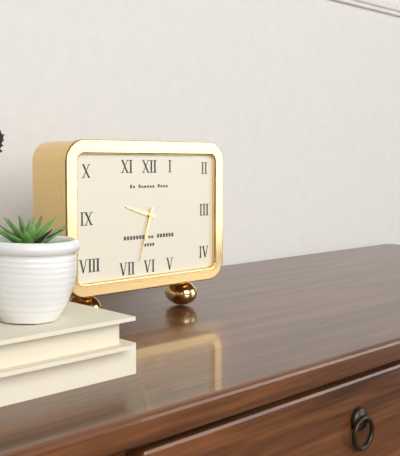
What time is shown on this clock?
9:33
